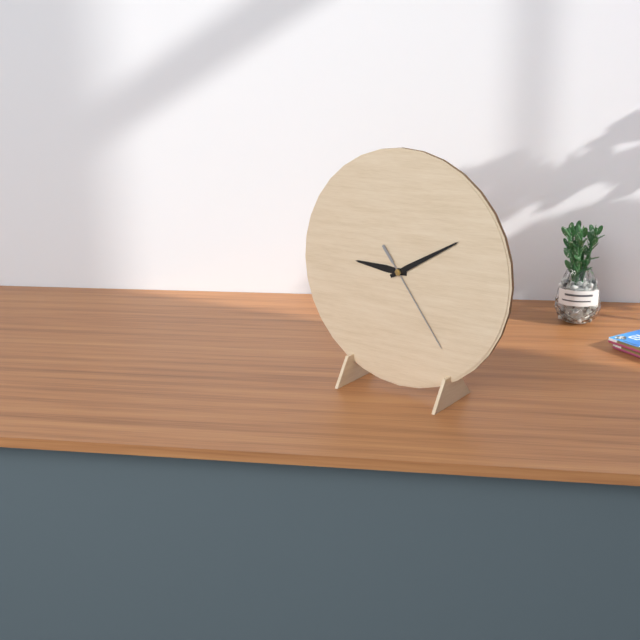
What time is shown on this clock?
9:10:24
